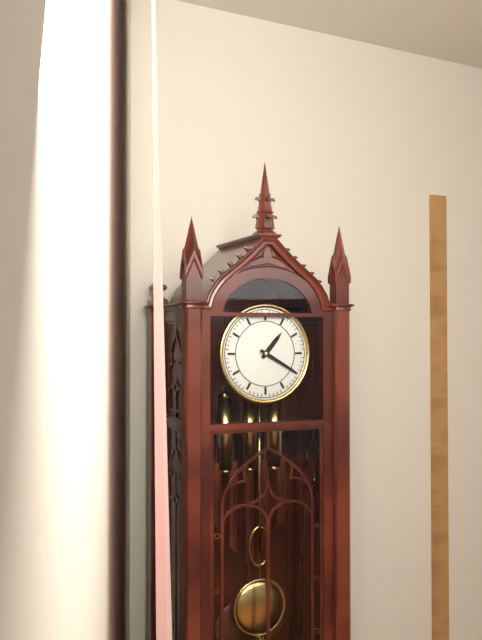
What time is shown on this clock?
1:20
